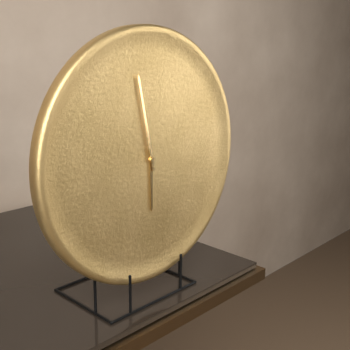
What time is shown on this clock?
5:58
